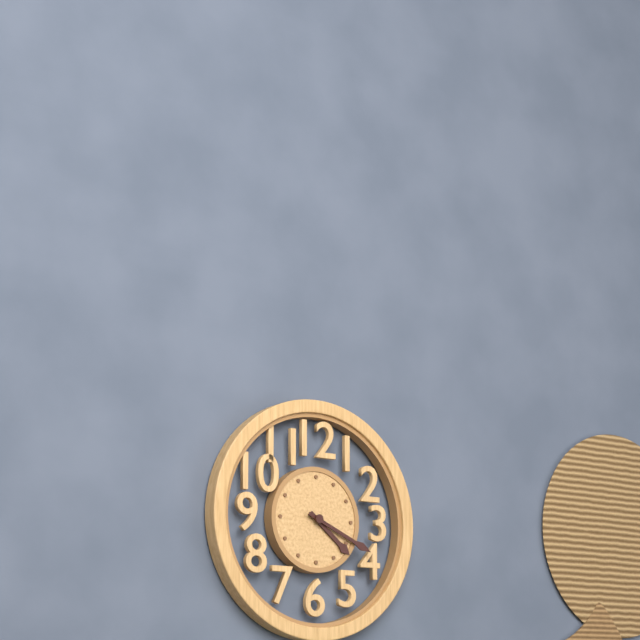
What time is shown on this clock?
4:19
